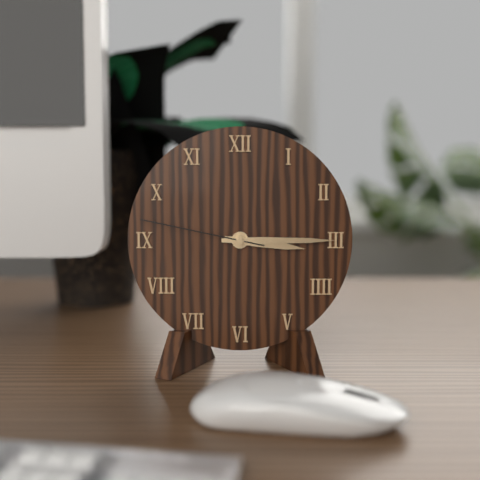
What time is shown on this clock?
3:15:47
